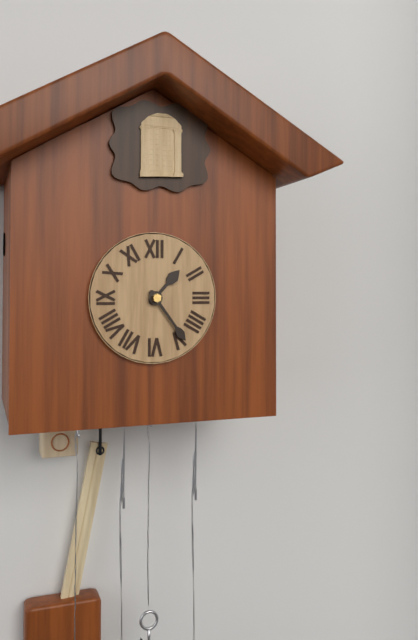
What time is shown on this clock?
1:24
